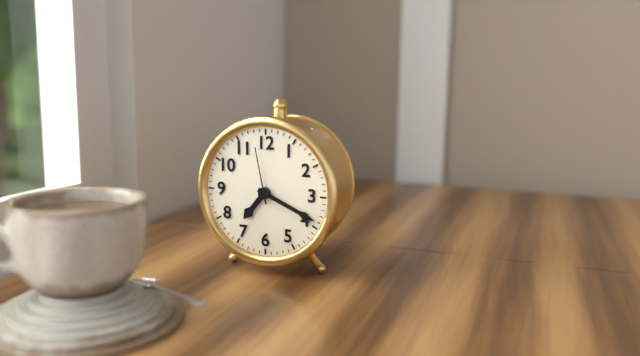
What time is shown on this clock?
7:19:58
